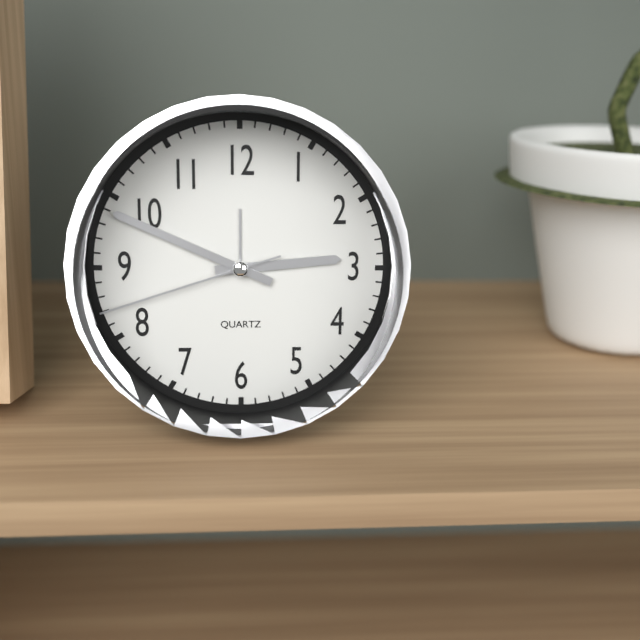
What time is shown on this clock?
2:49:42
